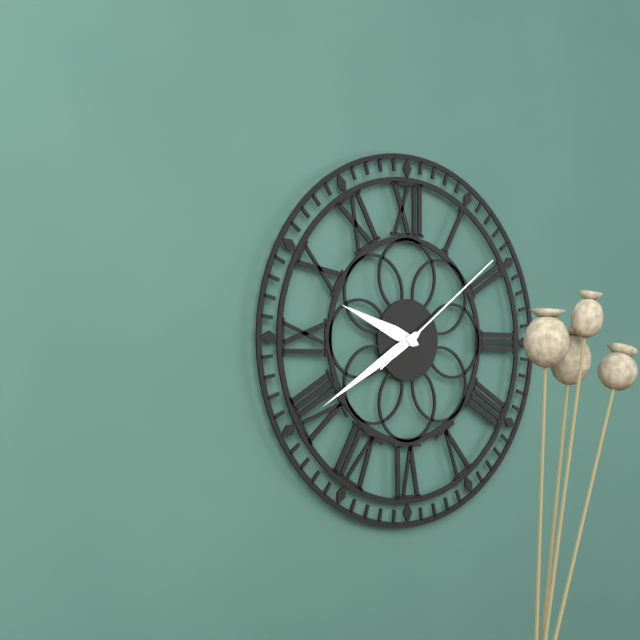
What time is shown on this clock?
9:40:09
